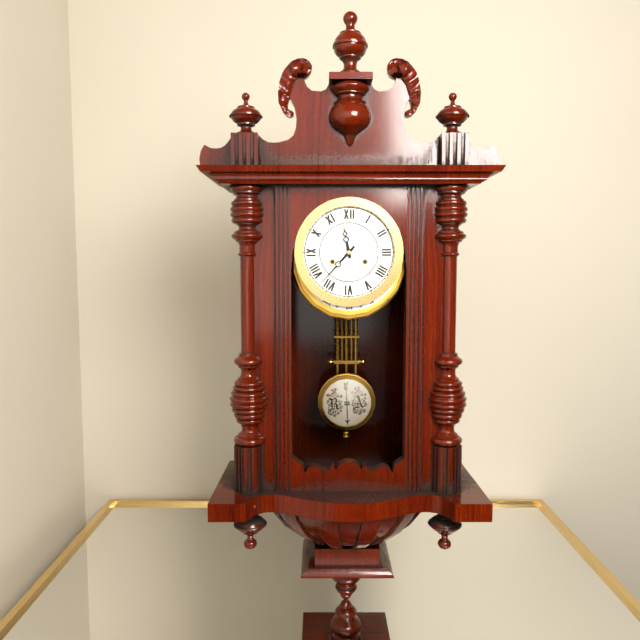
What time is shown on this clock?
11:37
